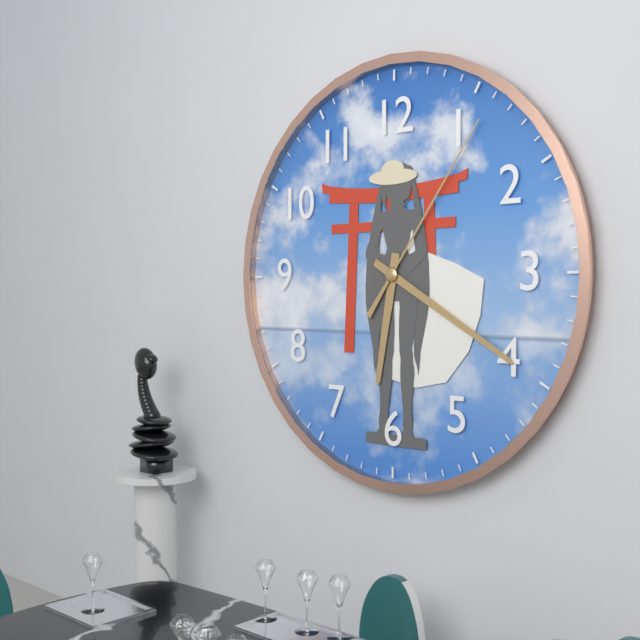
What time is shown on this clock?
6:20:06
